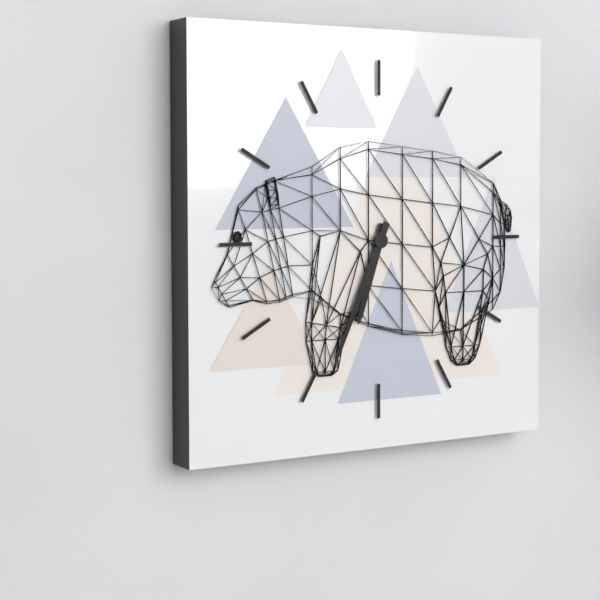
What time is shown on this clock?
6:34
